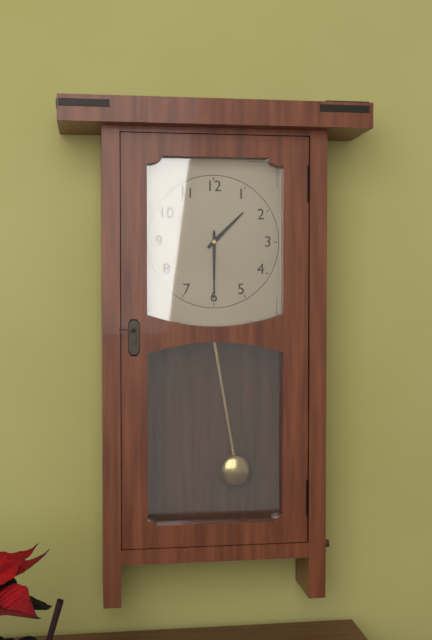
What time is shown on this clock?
1:30
